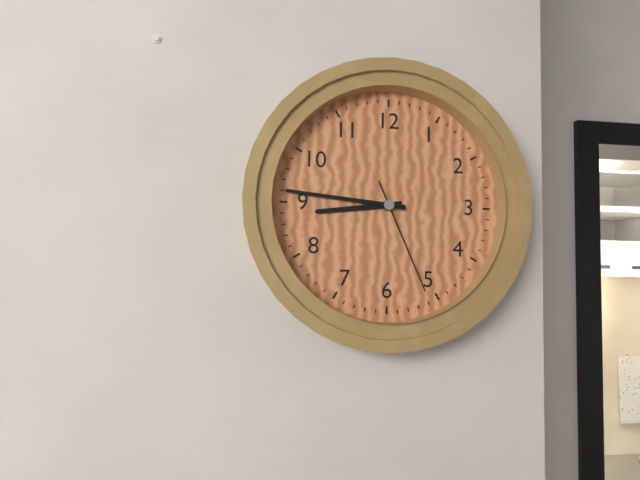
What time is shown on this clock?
8:46:26
